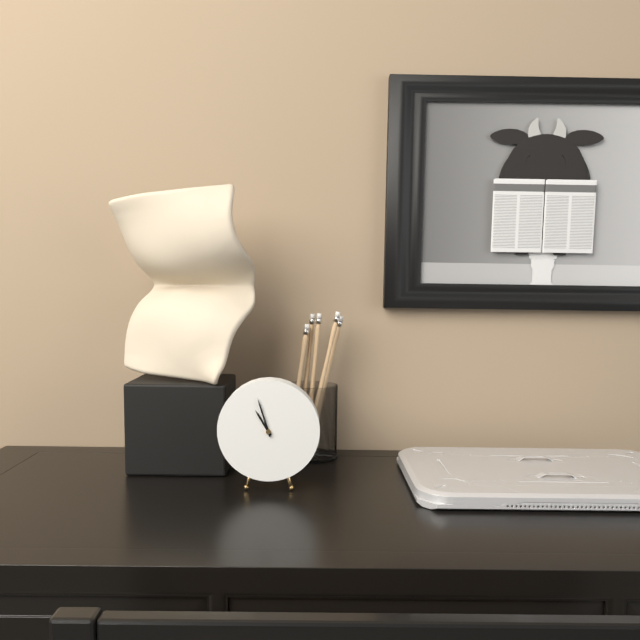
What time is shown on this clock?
10:57
